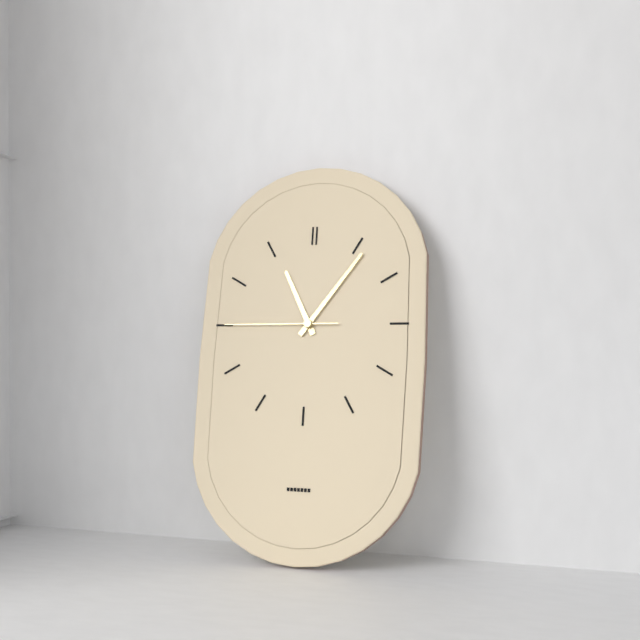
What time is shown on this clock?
11:06:45
